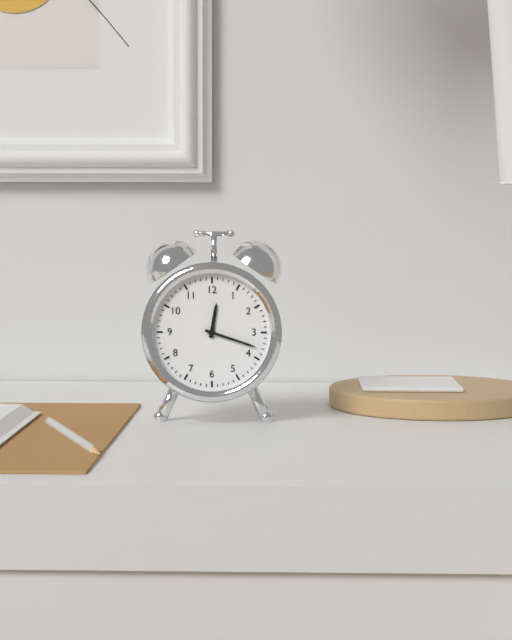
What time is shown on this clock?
12:18
